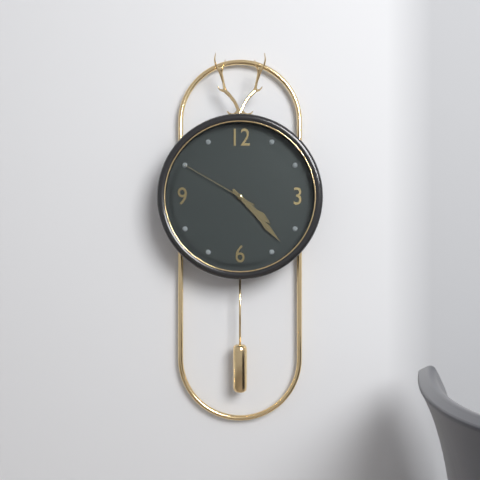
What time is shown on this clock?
4:23:50
